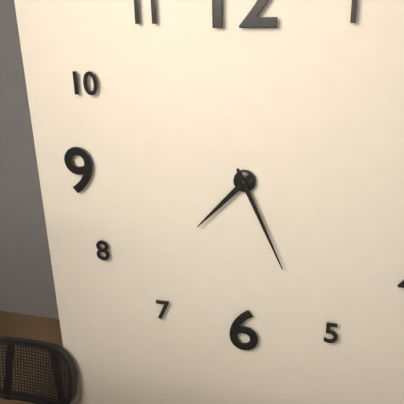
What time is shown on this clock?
7:26
